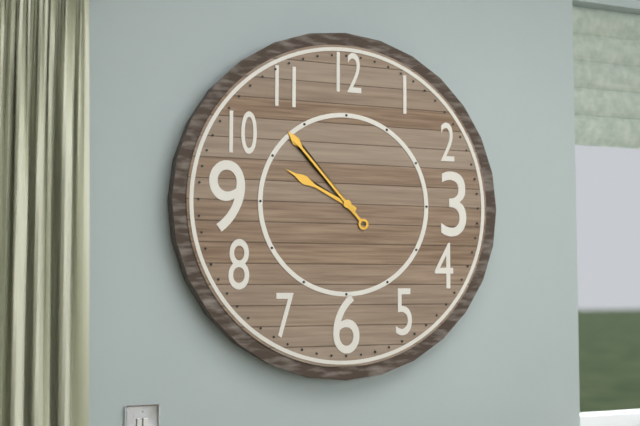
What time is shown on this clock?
9:53
